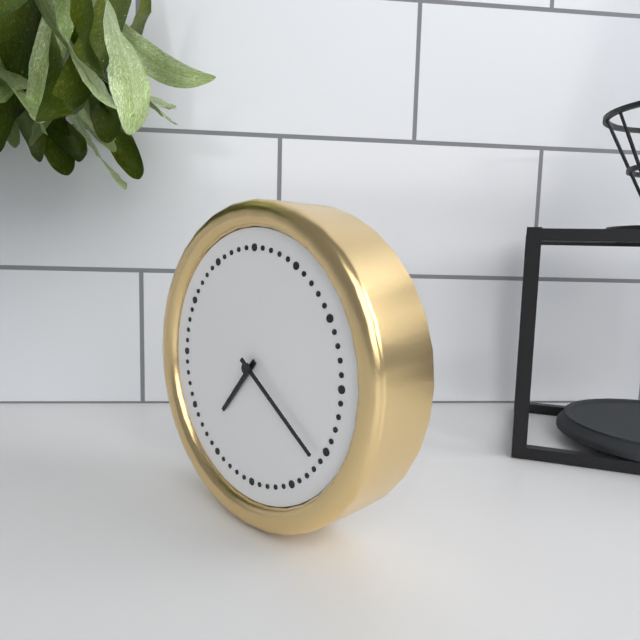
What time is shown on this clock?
7:21
